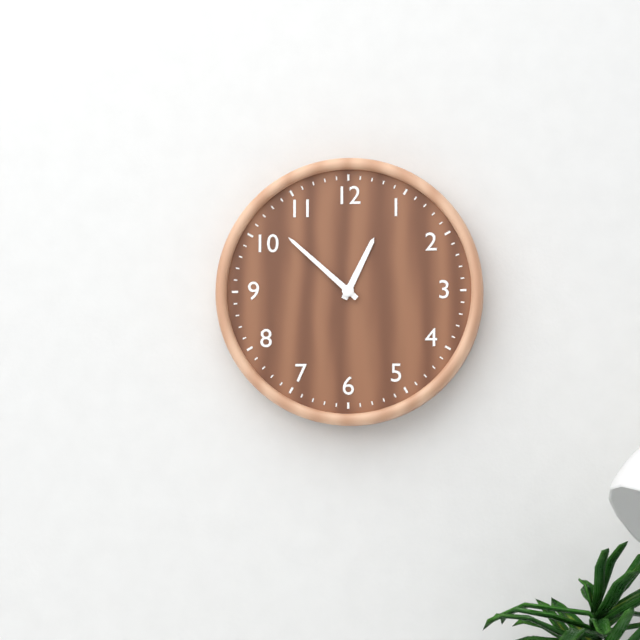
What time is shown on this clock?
12:52
